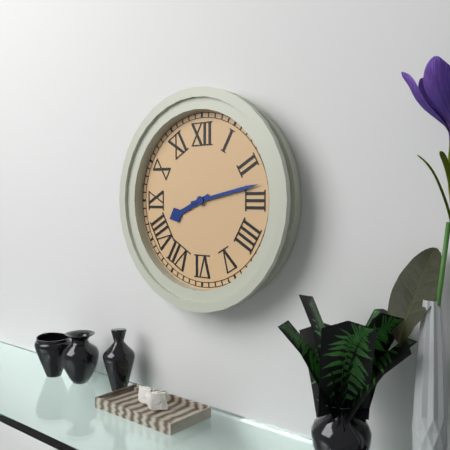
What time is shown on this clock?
8:13
